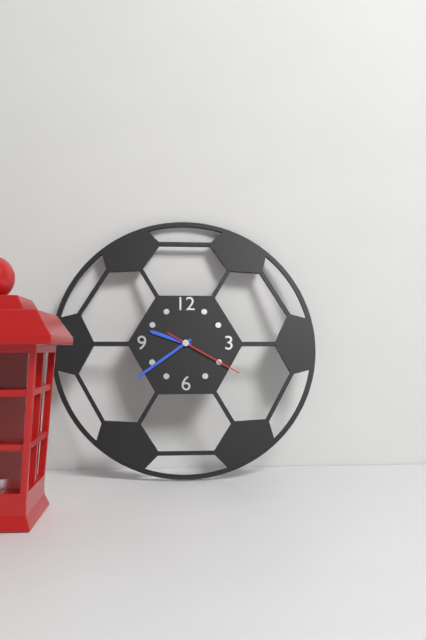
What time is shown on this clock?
9:39:20
